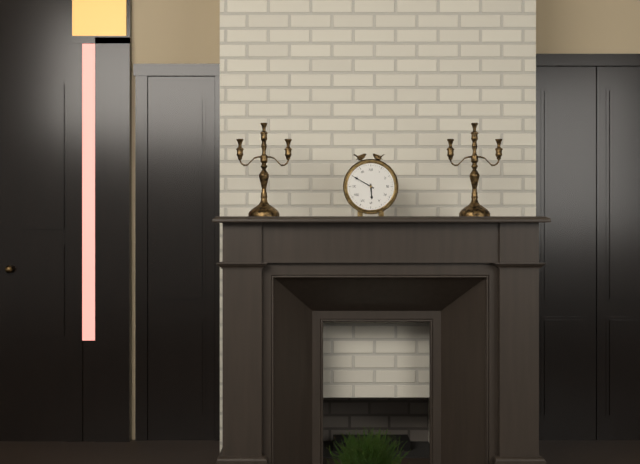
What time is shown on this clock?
5:50
